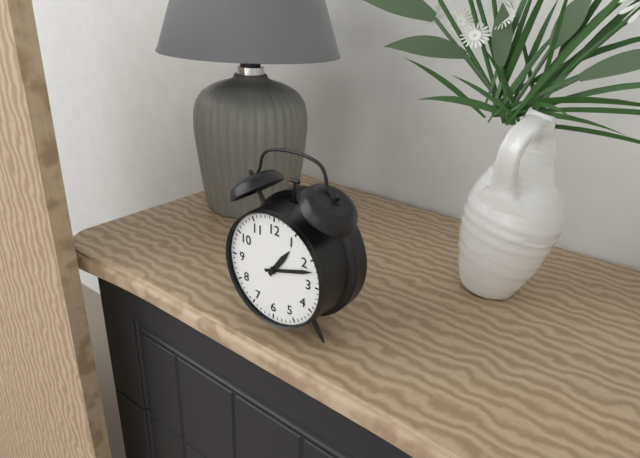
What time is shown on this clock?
1:12
